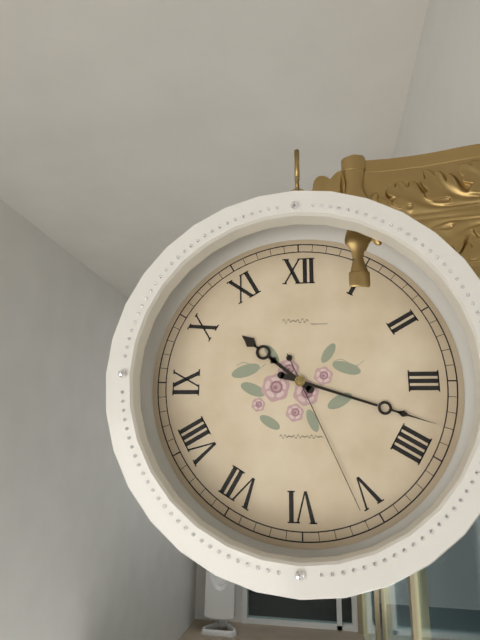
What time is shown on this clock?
10:18:26
